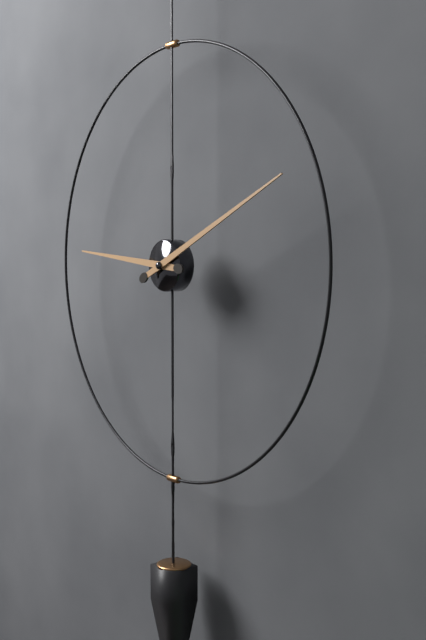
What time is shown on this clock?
9:11
